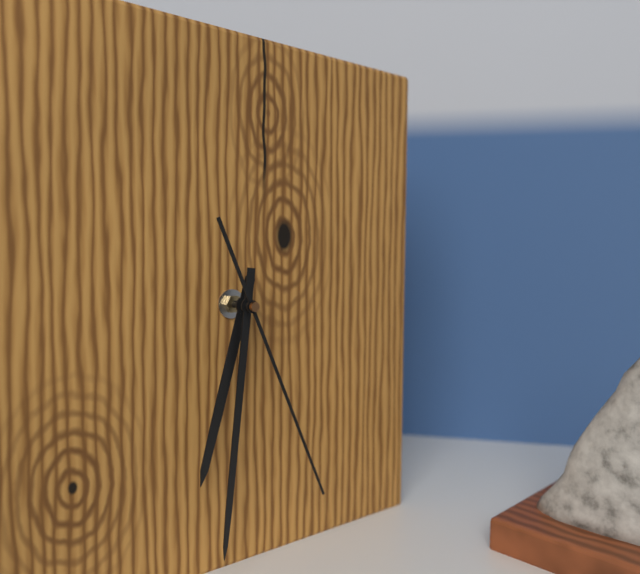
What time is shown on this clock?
6:31:26
